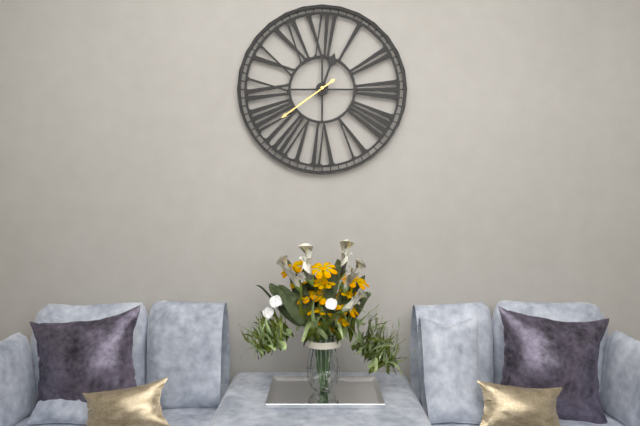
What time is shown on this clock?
12:39
